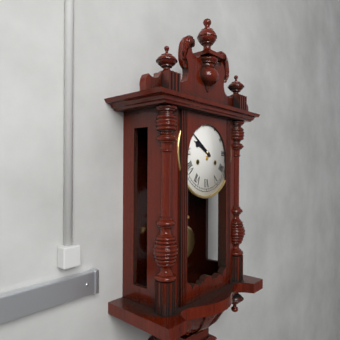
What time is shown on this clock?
9:51
